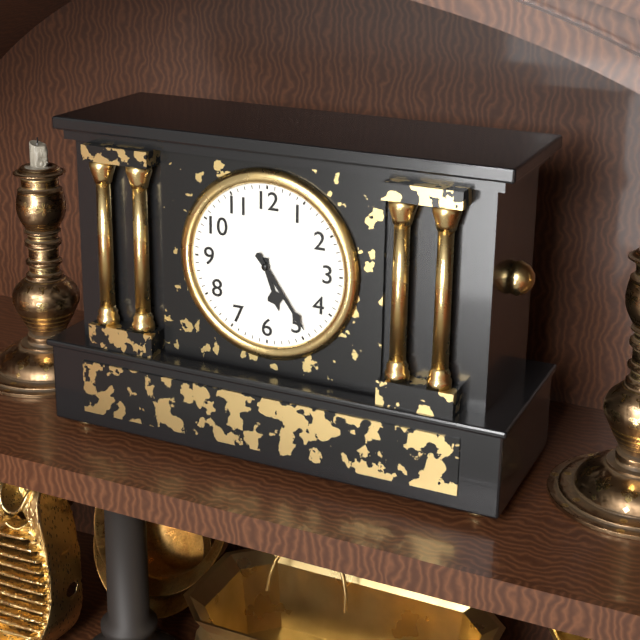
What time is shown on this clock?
5:24
